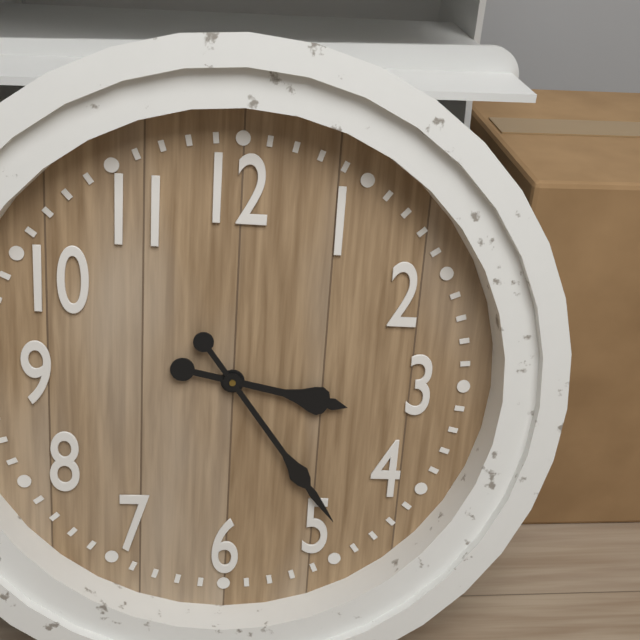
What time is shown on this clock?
3:24
